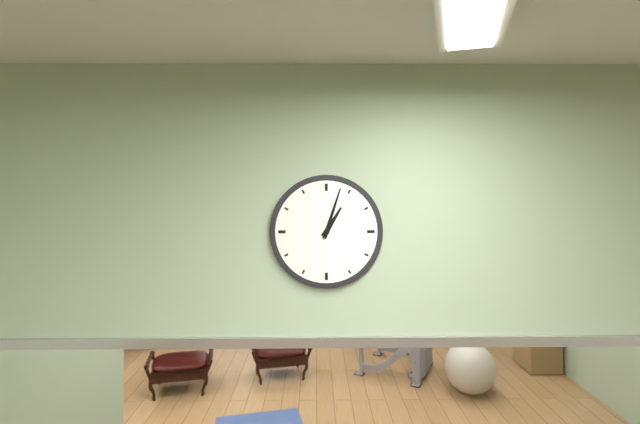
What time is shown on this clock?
1:03
